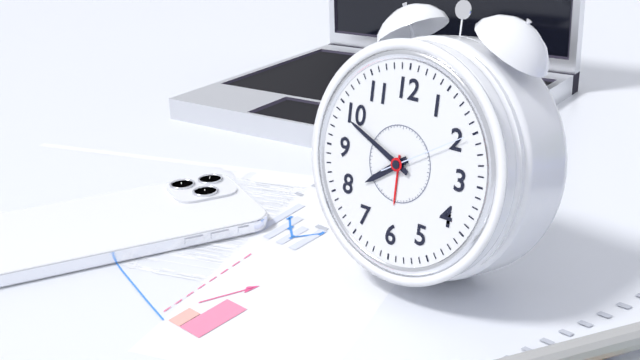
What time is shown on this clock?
7:49:10
